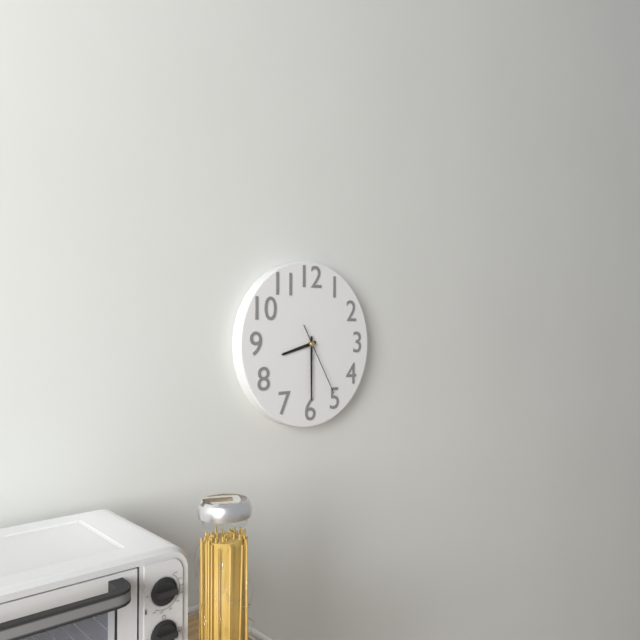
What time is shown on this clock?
8:30:25
